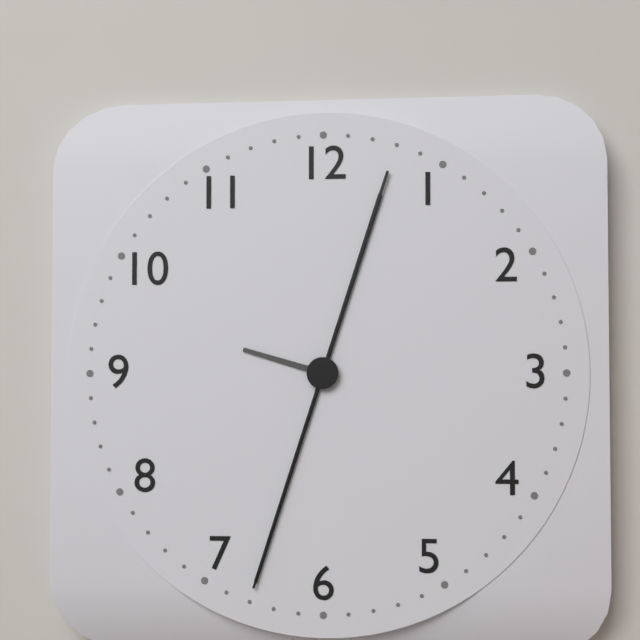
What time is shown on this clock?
9:33:33
